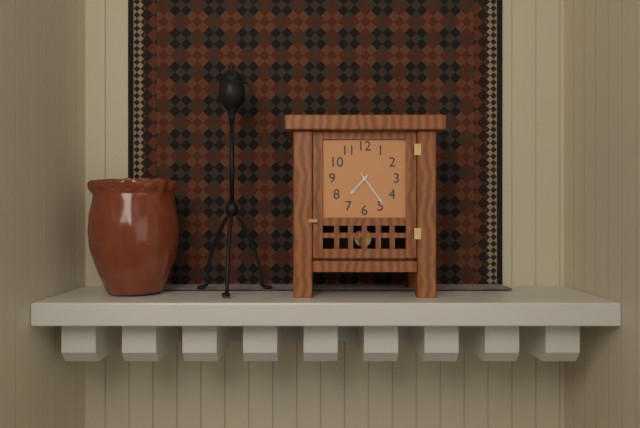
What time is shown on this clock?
7:24
